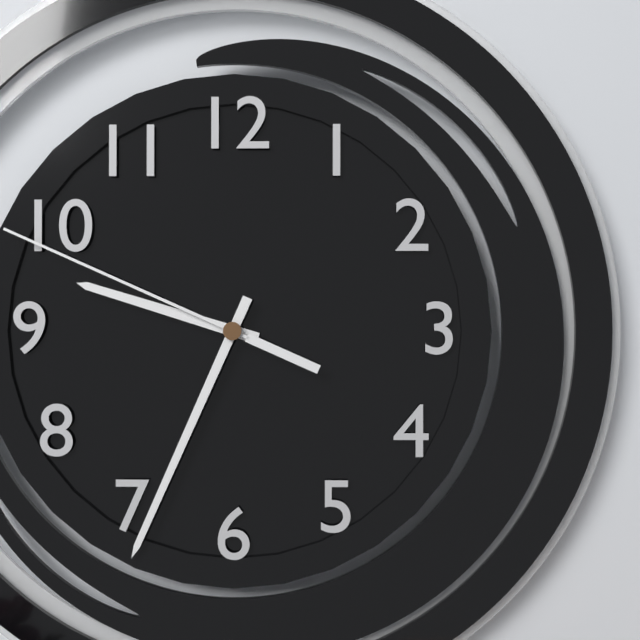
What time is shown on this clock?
9:34:49
